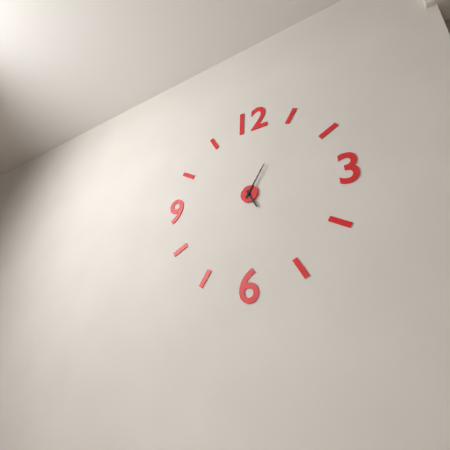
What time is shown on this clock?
5:05
